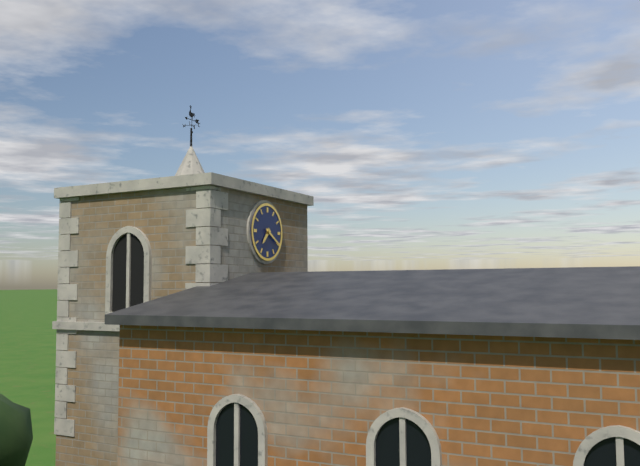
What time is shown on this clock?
7:20
